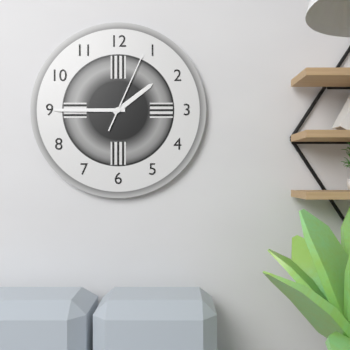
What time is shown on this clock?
1:45:04
